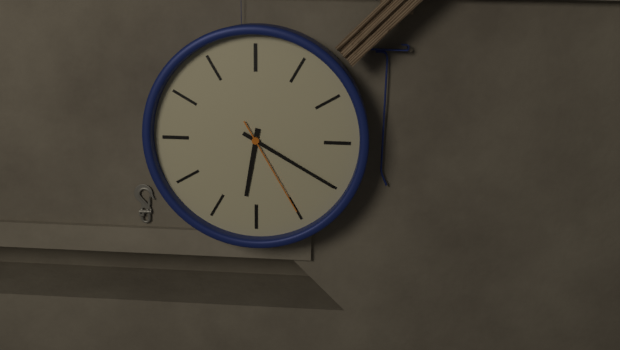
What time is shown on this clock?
6:20:25
